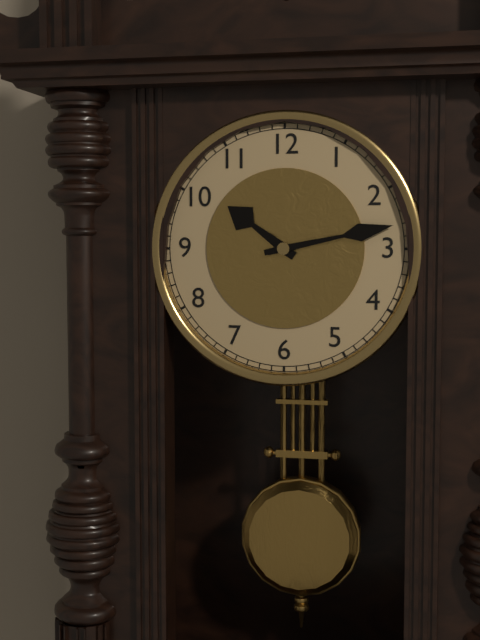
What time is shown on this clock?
10:13
